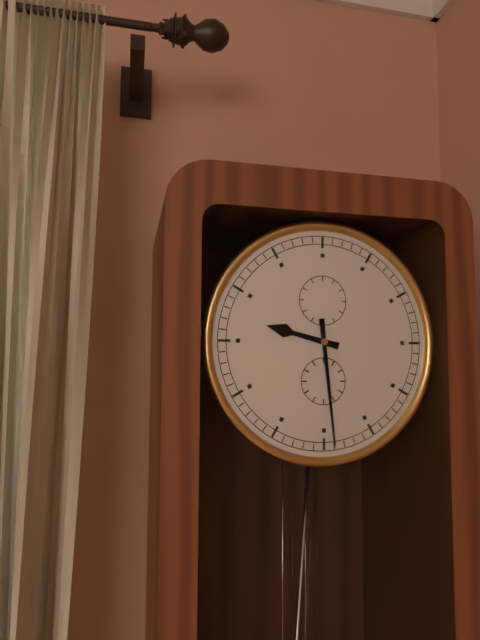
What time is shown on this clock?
9:29
